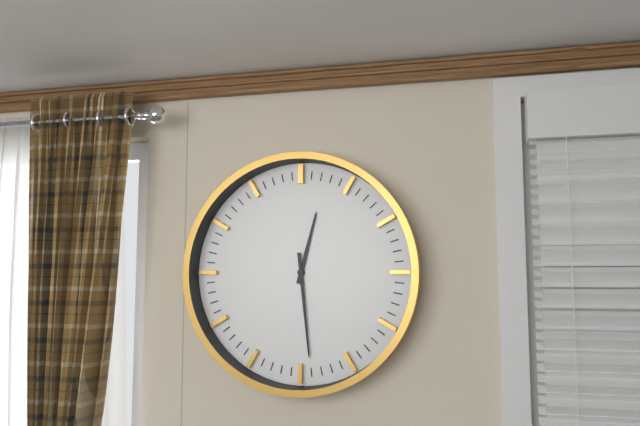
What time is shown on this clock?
12:29
